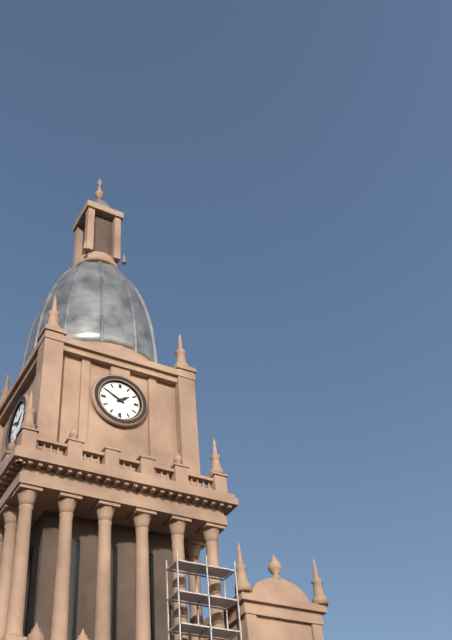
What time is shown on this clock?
1:50
